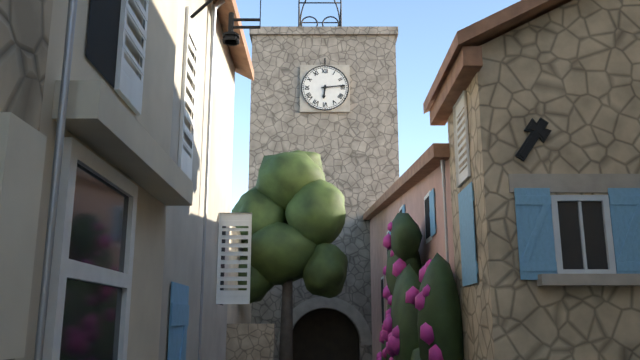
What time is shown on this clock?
6:14
